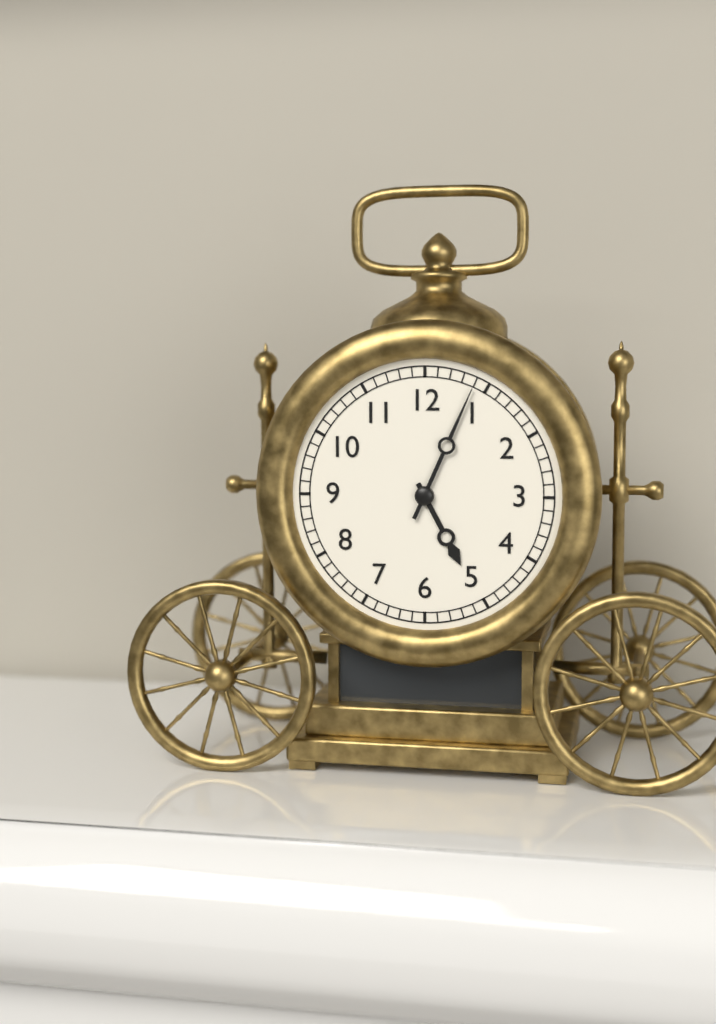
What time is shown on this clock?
5:04
